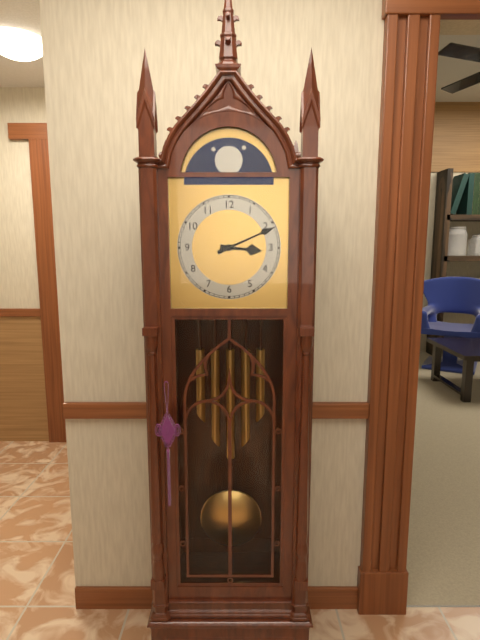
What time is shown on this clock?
3:11
